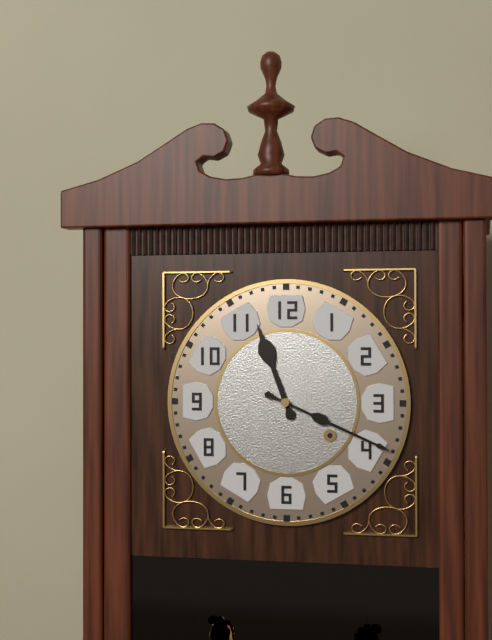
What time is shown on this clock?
11:19
